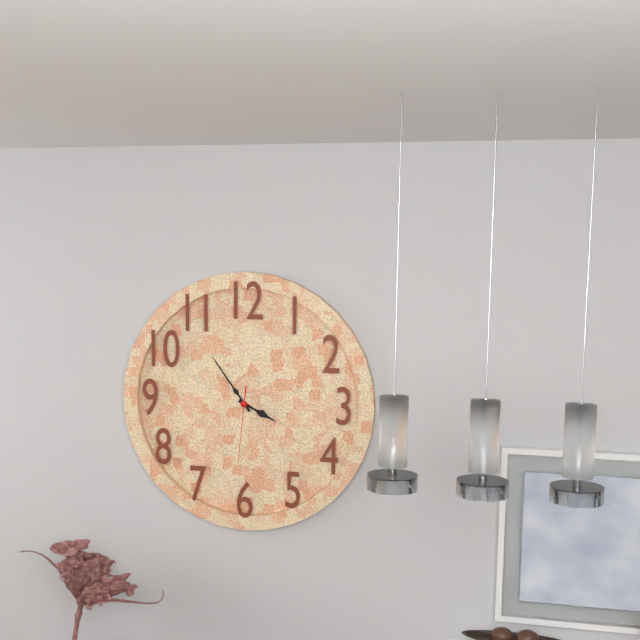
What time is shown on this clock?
3:54:31
